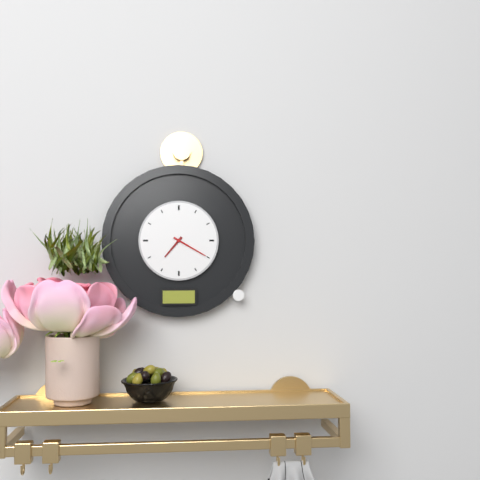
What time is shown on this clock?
7:20
